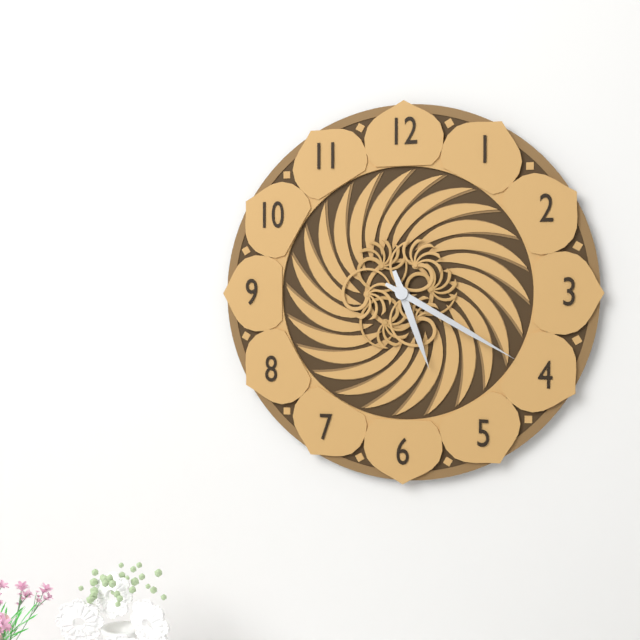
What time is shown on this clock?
5:20
